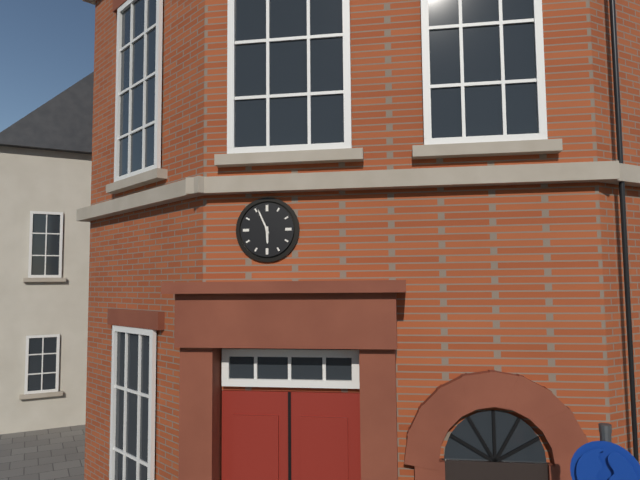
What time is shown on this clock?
5:56
